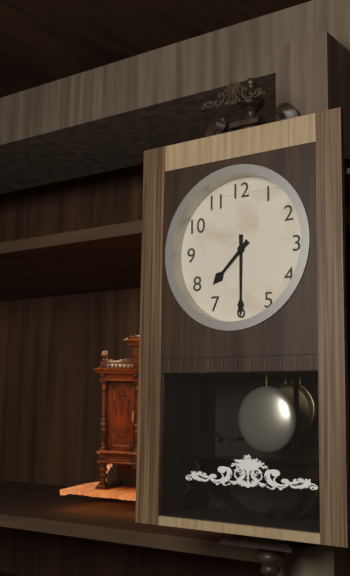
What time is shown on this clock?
7:30
